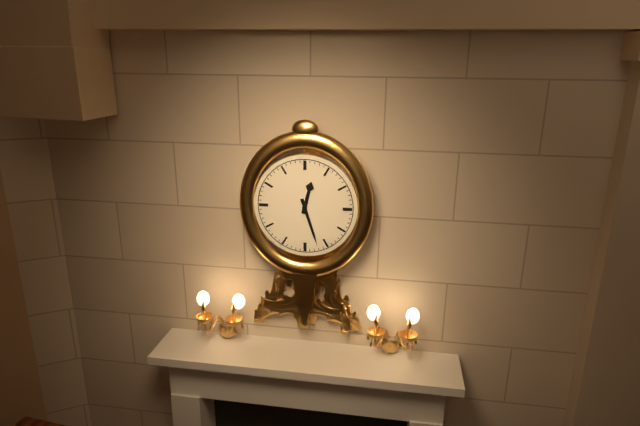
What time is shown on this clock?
12:27
